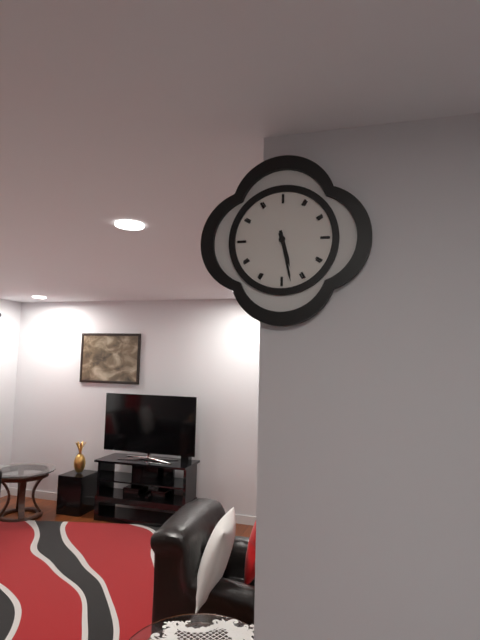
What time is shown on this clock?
5:28
